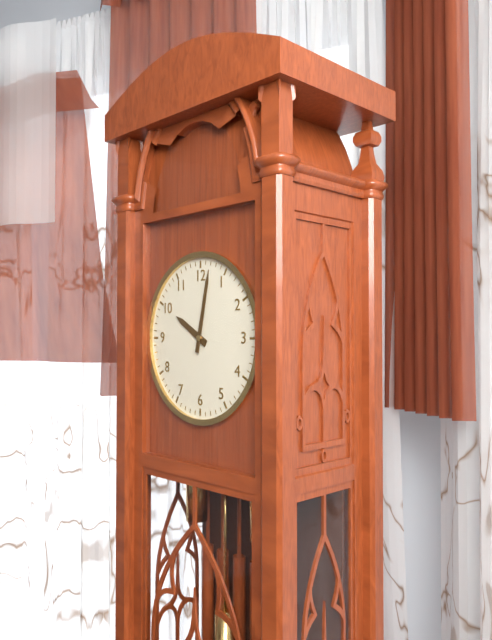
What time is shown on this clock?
10:02
